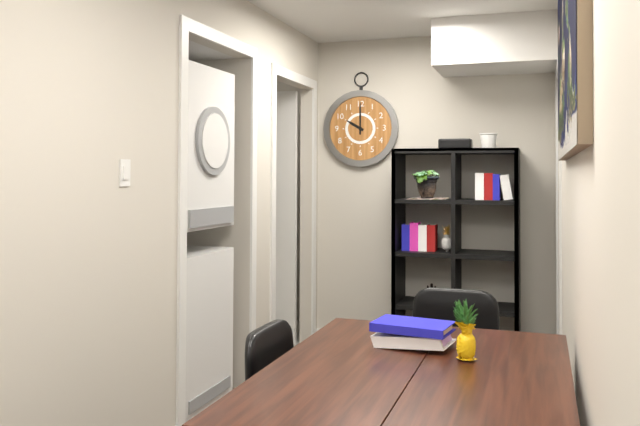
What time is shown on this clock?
10:00
